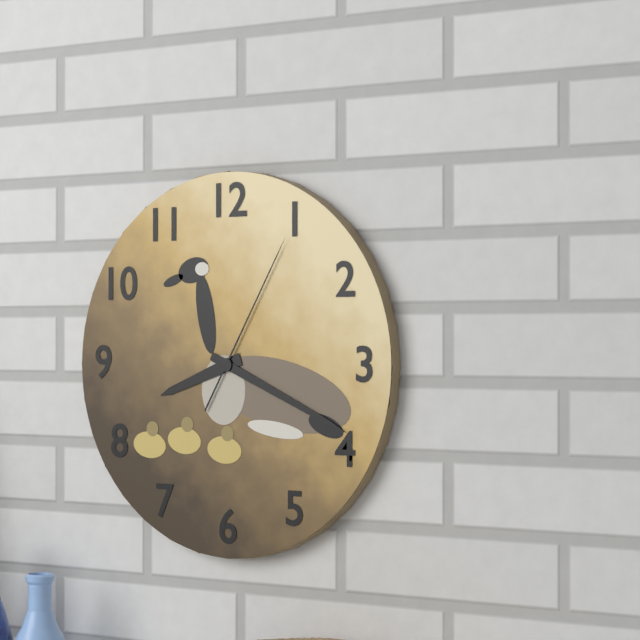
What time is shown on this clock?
8:19:05
